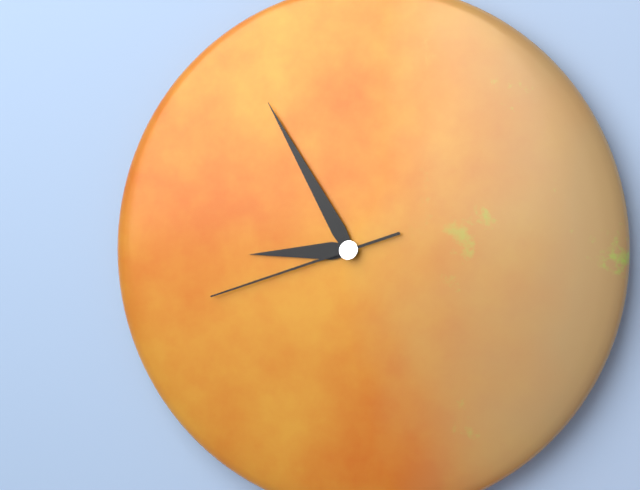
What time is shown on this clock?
8:55:42
